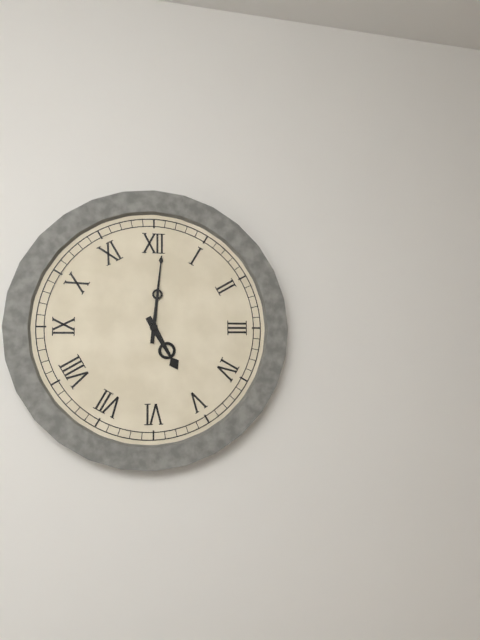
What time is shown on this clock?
5:01
